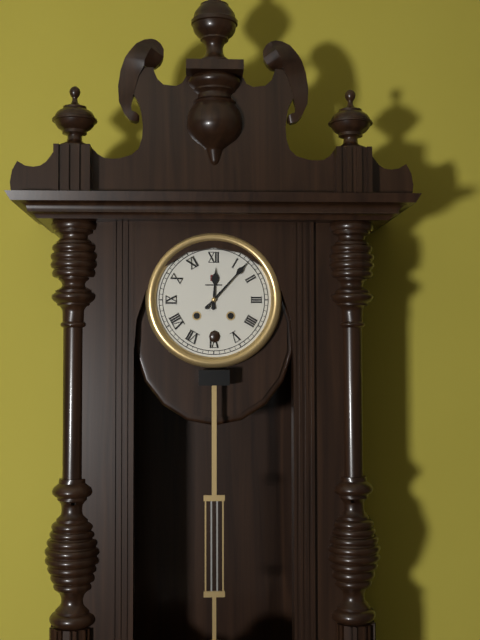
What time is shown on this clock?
12:07
